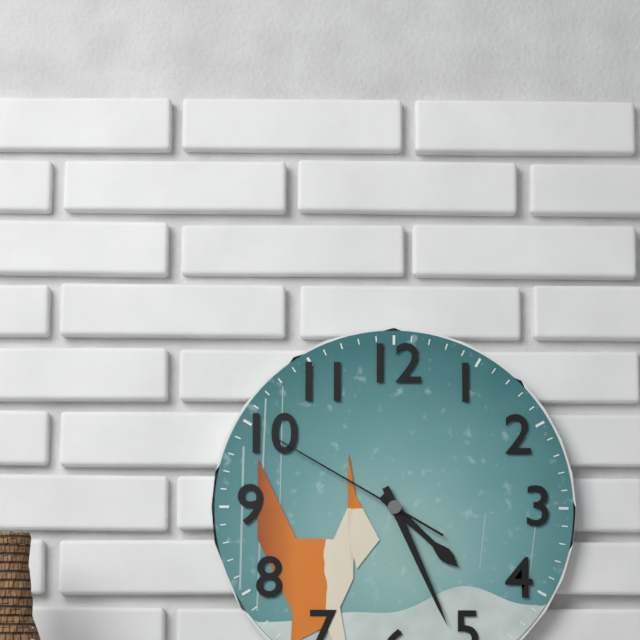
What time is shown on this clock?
4:26:50
